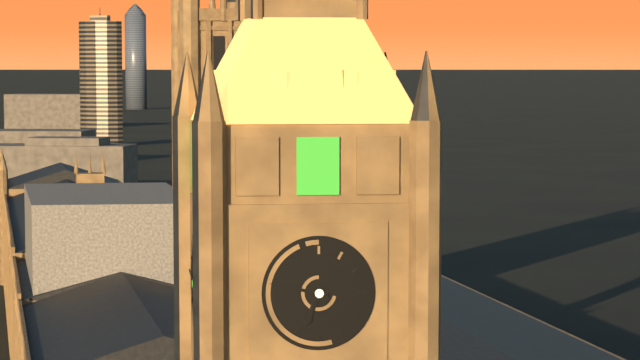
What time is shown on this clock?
6:47
